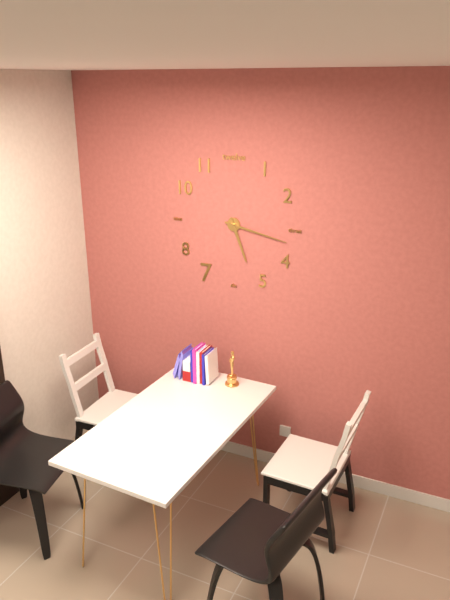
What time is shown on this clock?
5:17
